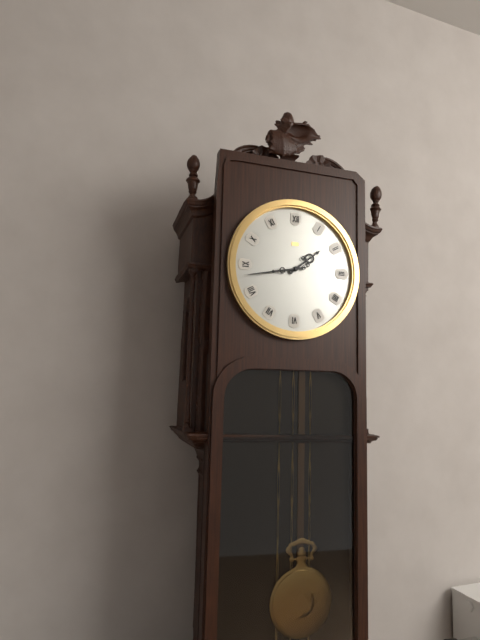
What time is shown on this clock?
1:43
